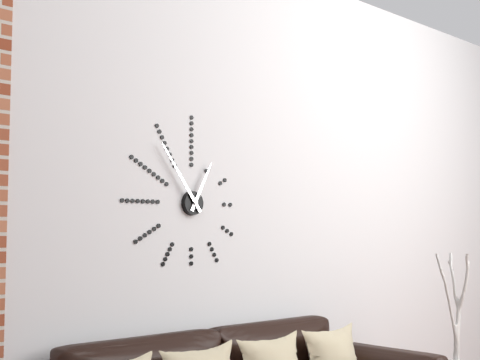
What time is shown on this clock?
12:54
